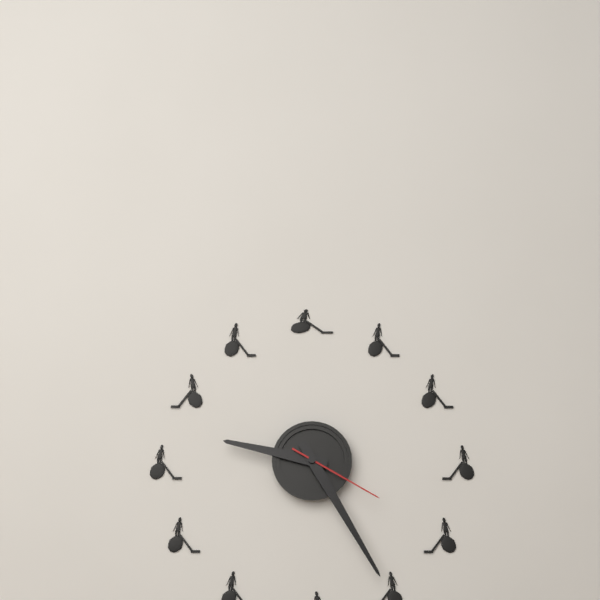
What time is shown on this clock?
9:25:20
